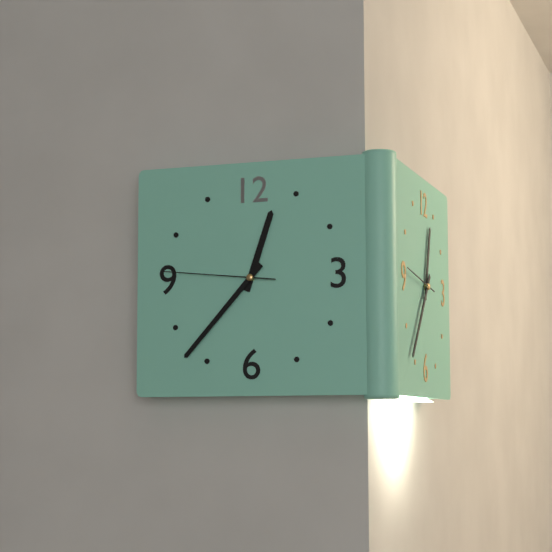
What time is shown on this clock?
12:37:46
